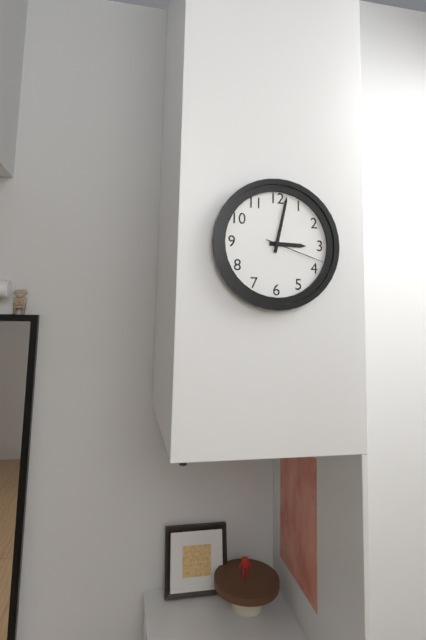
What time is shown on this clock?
3:02:18
